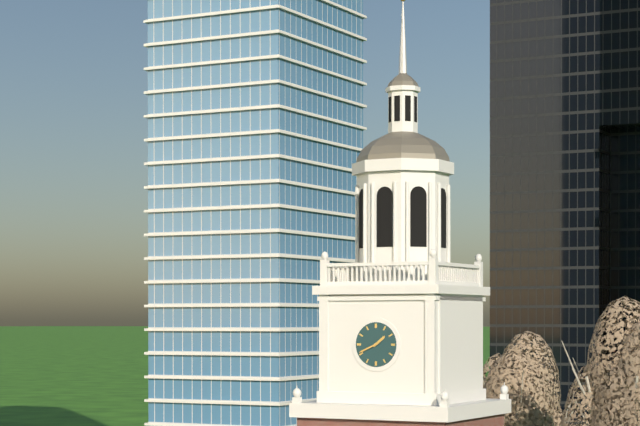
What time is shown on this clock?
1:41
